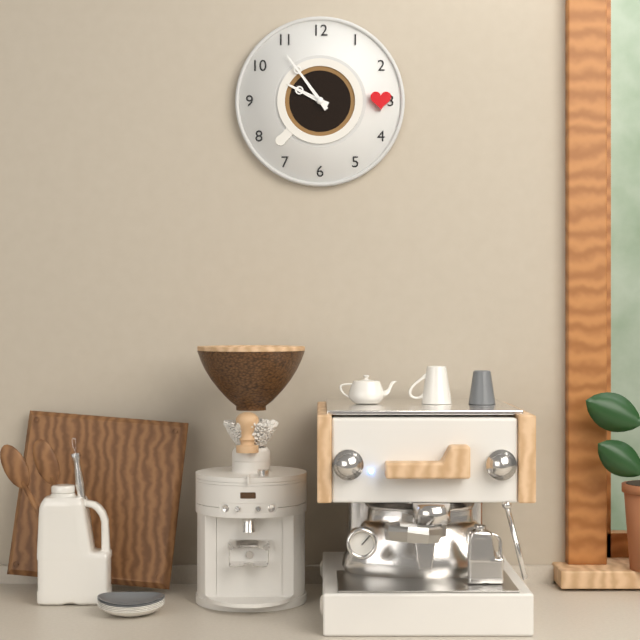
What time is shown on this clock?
9:54
